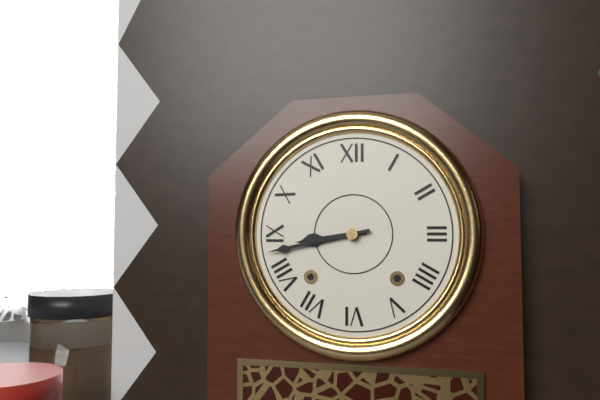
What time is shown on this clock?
8:43
